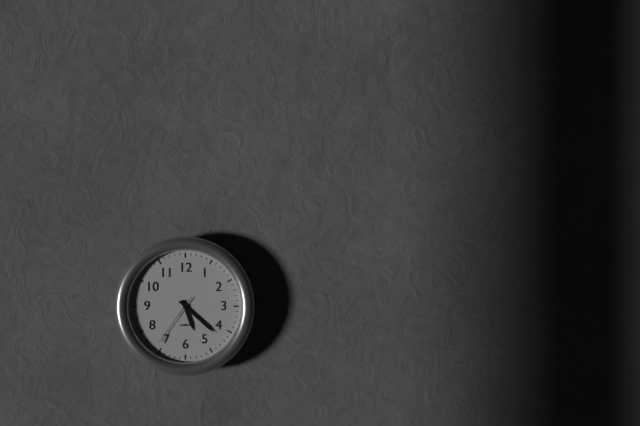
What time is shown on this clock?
5:22:36
